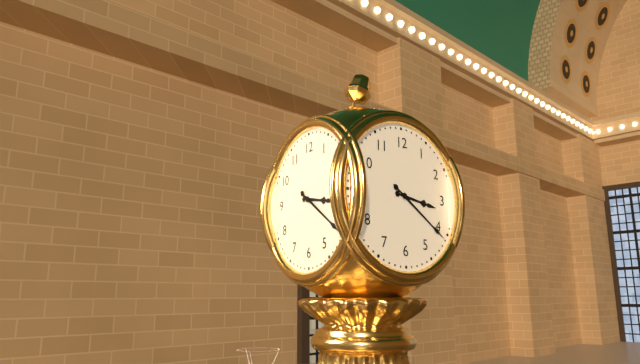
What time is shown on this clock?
3:21
